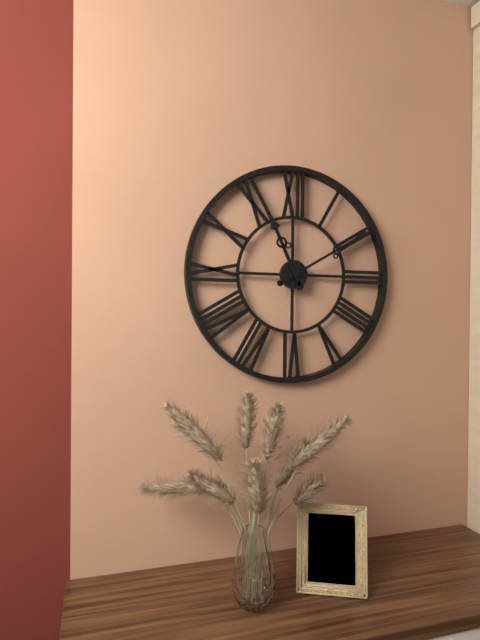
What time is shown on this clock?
11:10
